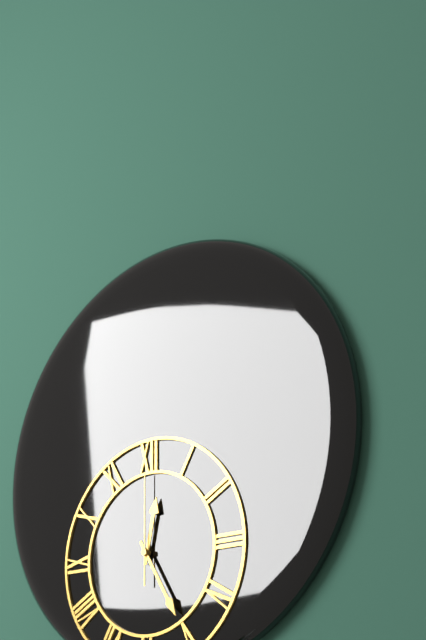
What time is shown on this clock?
12:25:00
